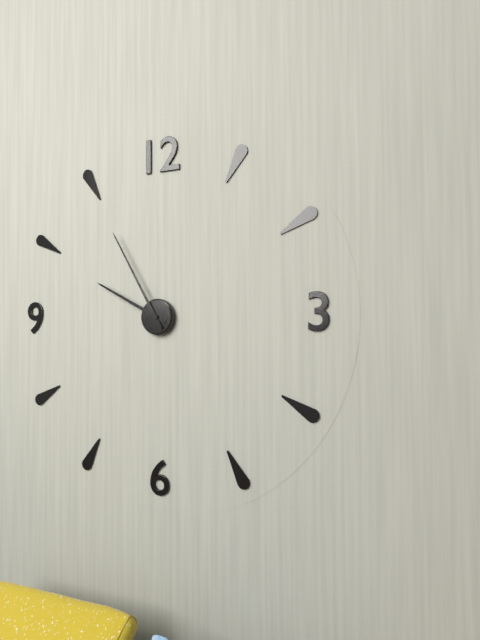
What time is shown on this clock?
9:55
